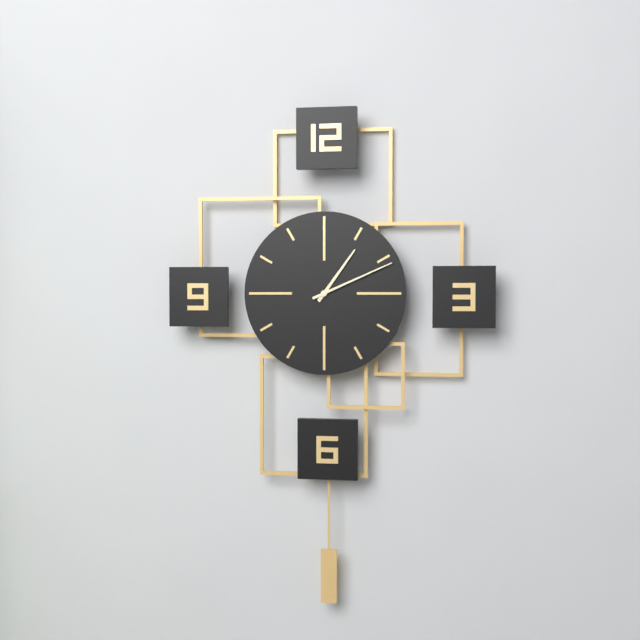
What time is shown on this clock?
1:11
